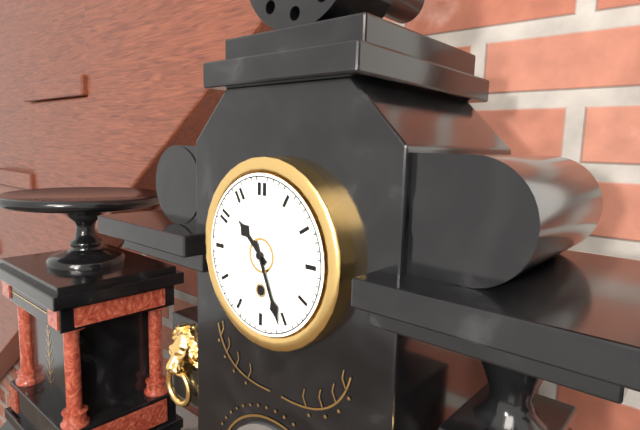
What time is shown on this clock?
10:26
